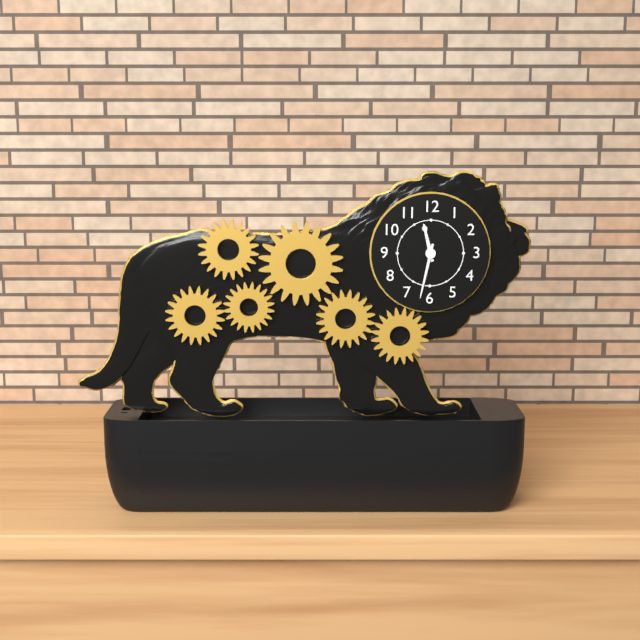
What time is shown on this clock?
11:32
